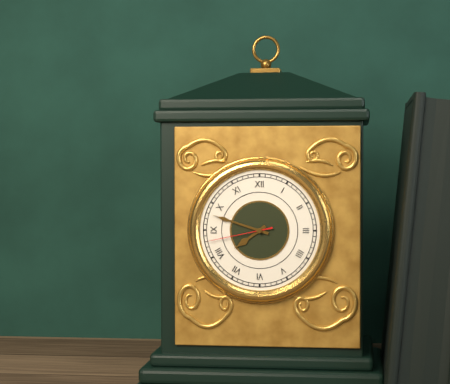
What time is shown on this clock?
7:48:43
